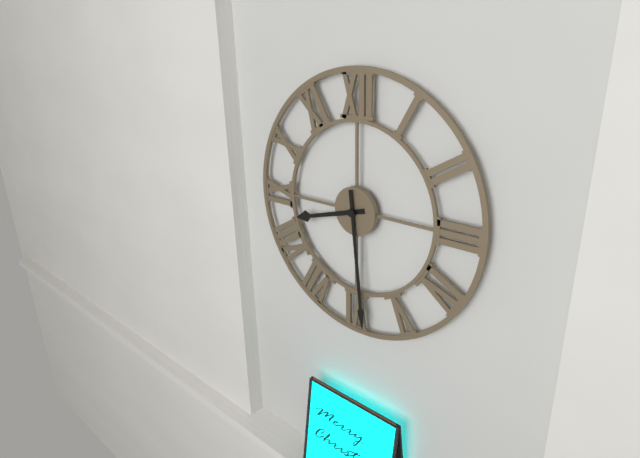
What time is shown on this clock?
8:29
